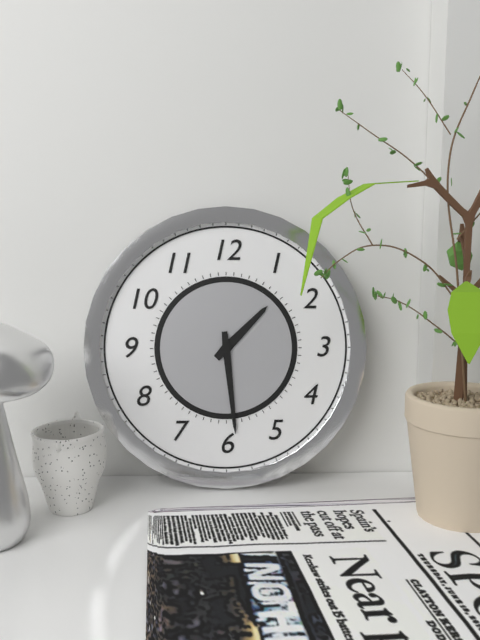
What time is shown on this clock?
1:29
